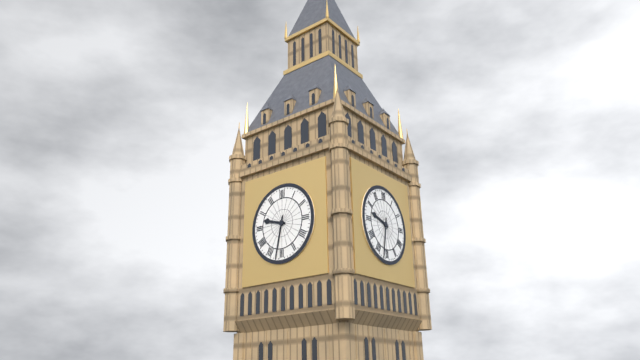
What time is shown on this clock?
9:32
